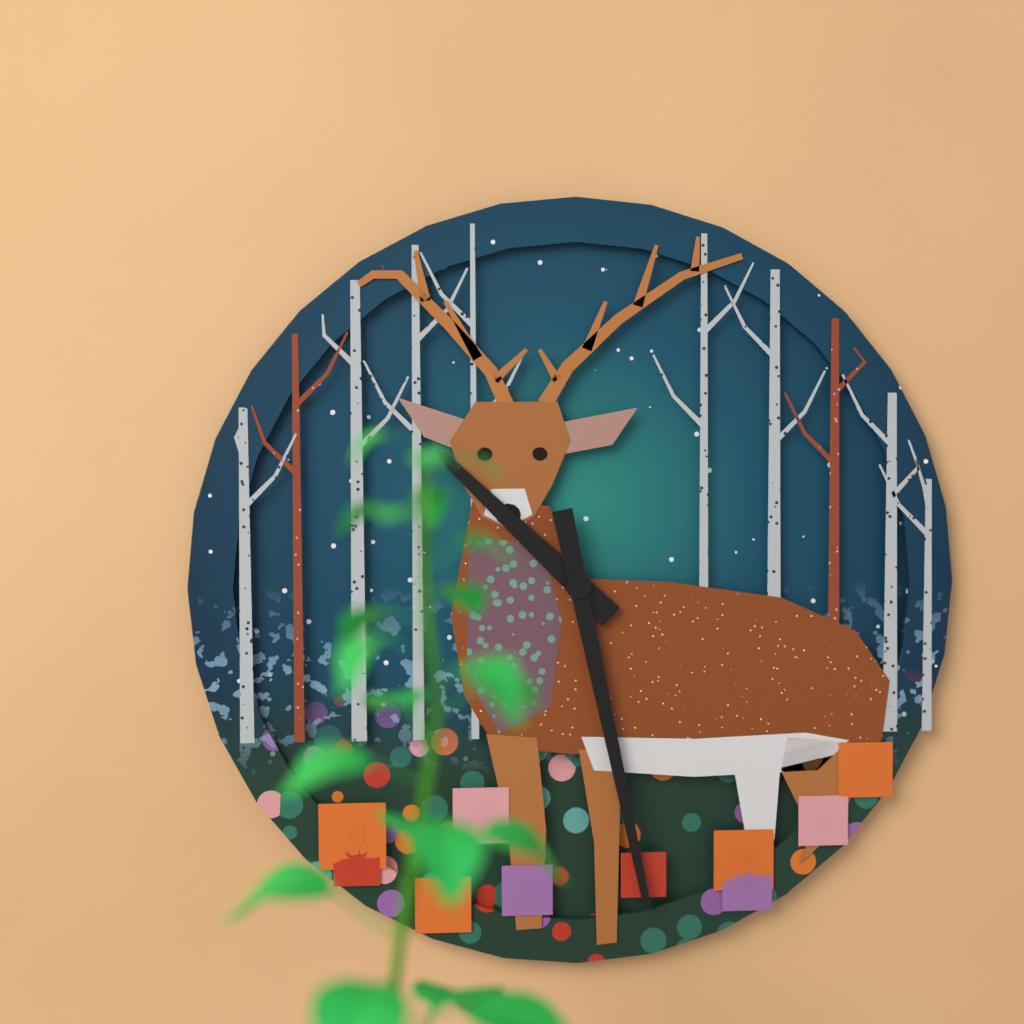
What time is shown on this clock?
10:28
